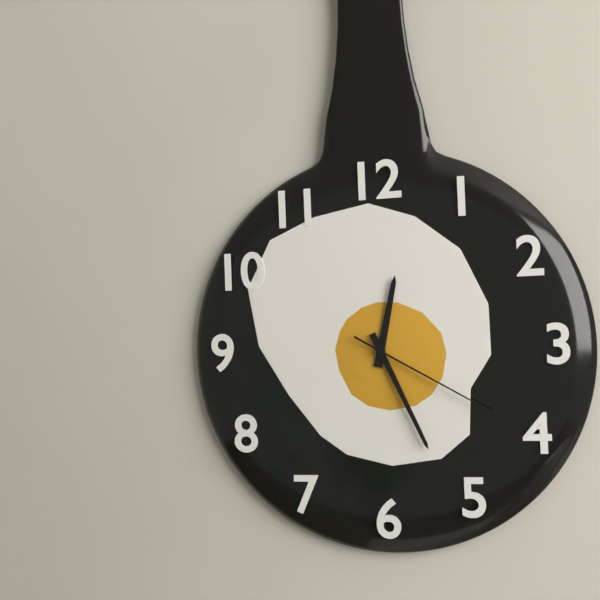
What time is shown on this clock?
12:26:20
